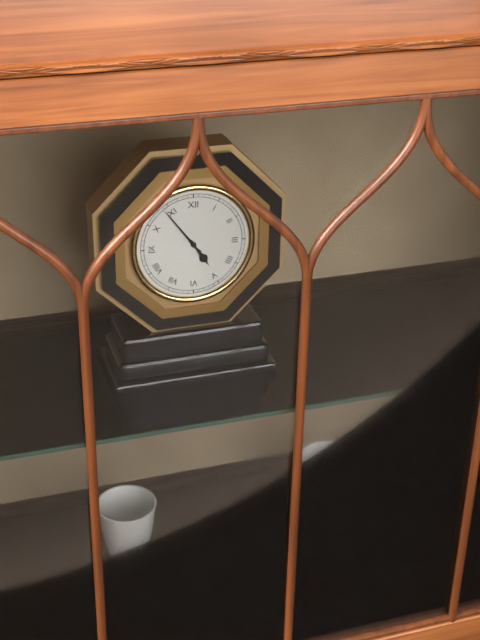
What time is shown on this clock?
4:54
